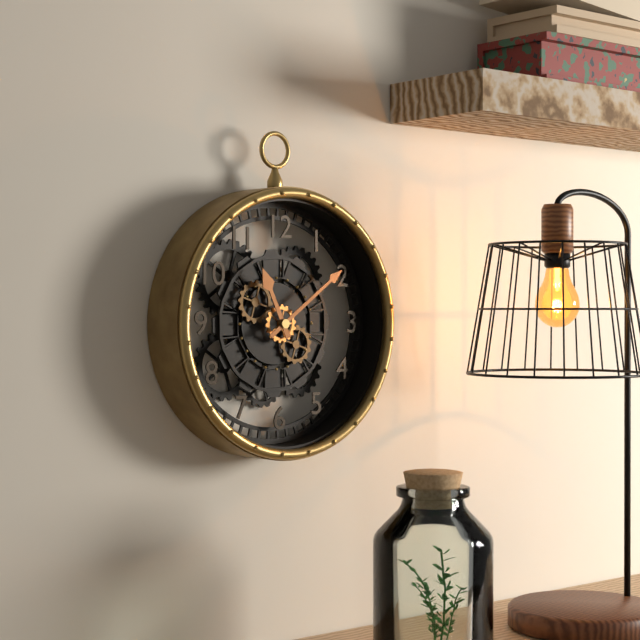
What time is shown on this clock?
11:09
